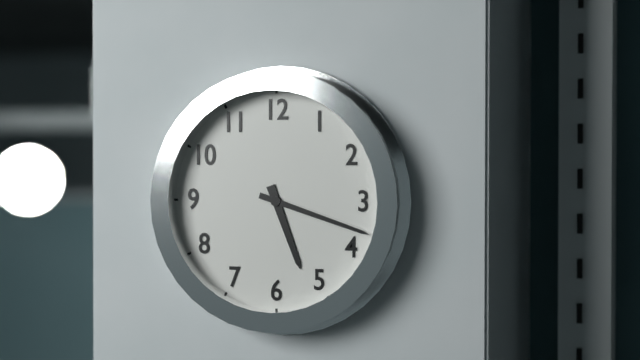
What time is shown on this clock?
5:18
